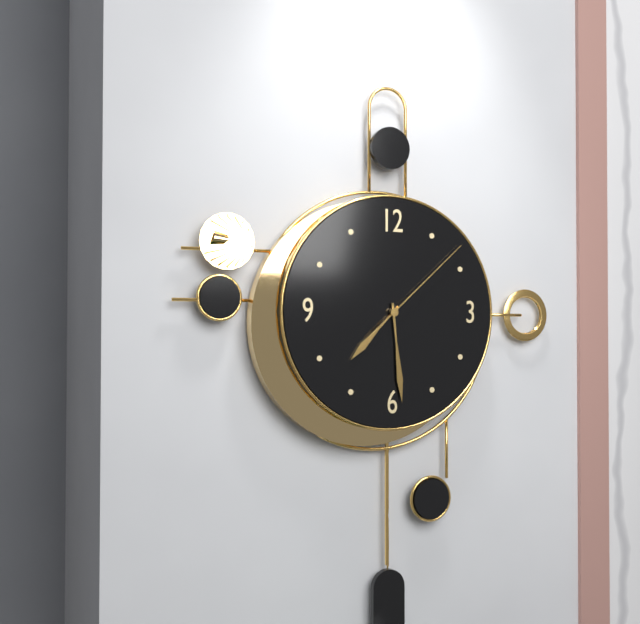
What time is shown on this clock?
7:29:08
